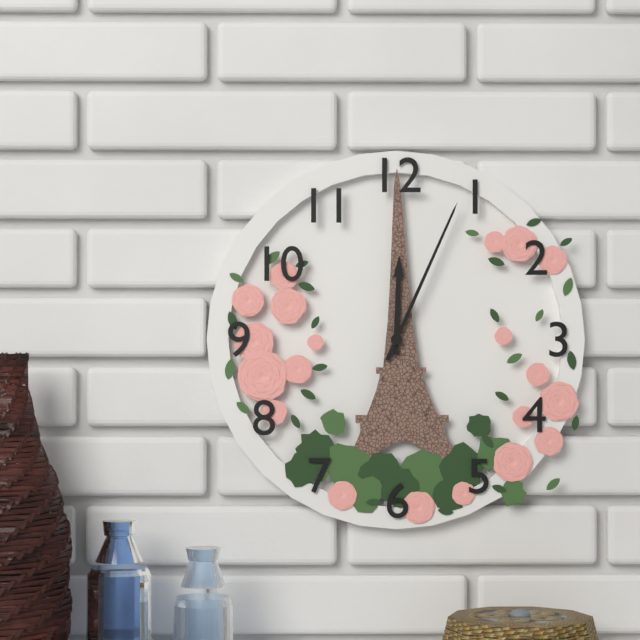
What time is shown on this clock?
12:04
